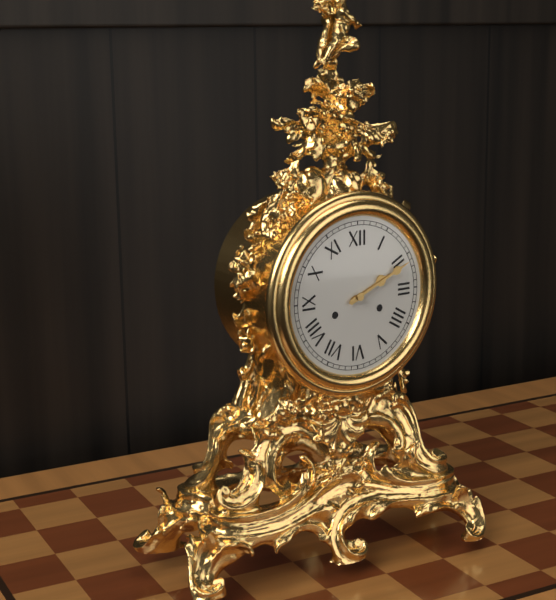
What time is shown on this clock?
2:11
